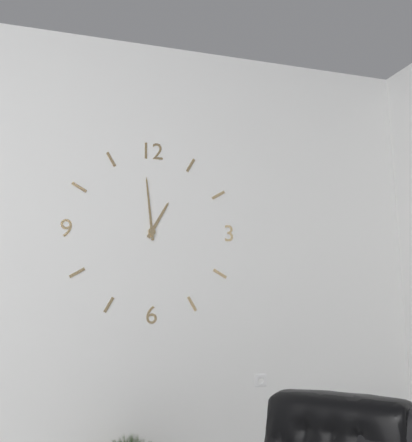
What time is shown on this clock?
12:59
